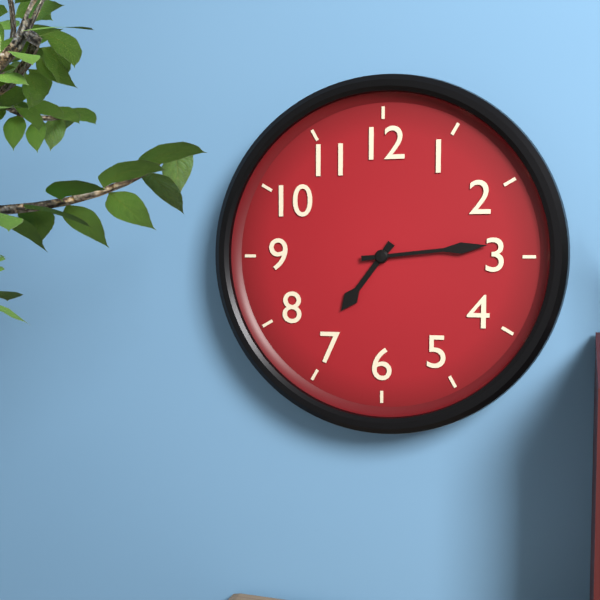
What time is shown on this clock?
7:14
